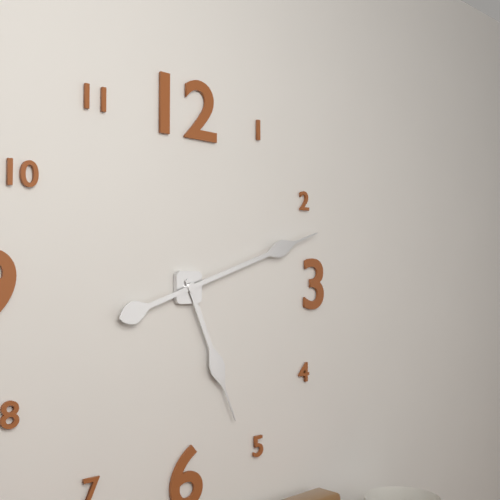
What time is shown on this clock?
5:12
